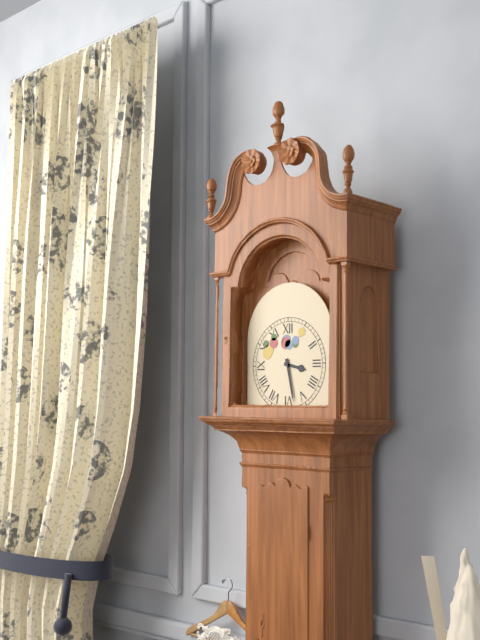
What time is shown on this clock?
3:28
